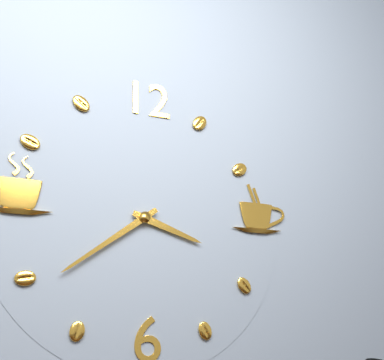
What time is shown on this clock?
3:39
